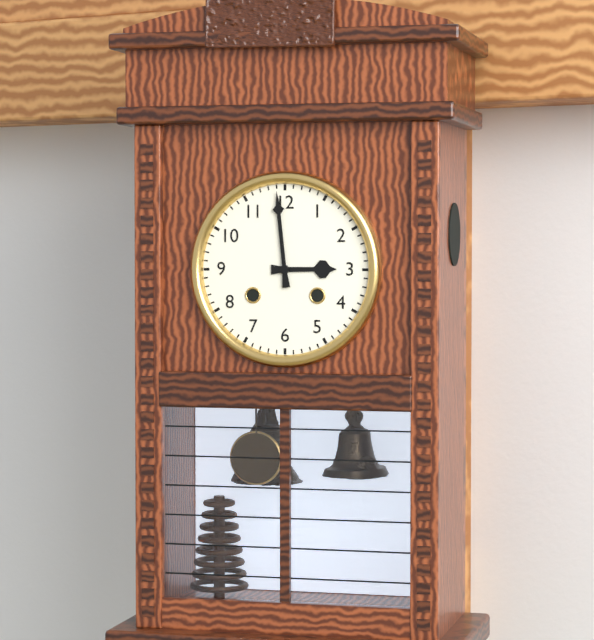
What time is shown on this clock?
2:59
